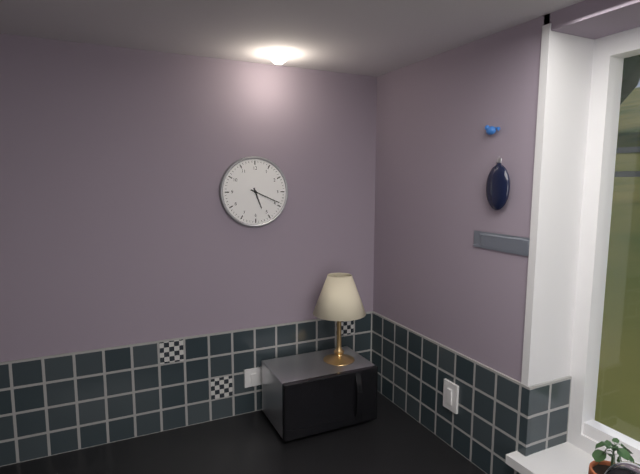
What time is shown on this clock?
5:19
